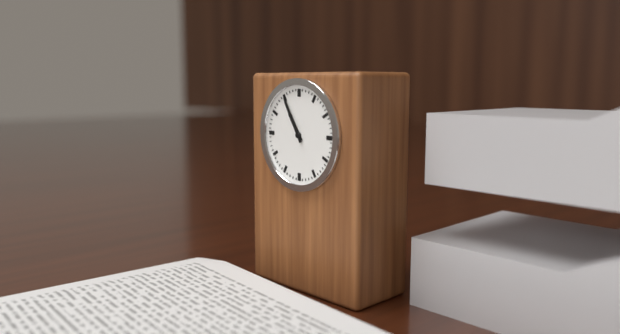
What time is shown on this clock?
10:55
